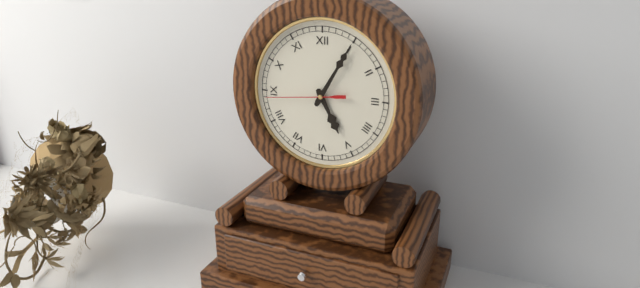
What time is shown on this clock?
5:05:44
